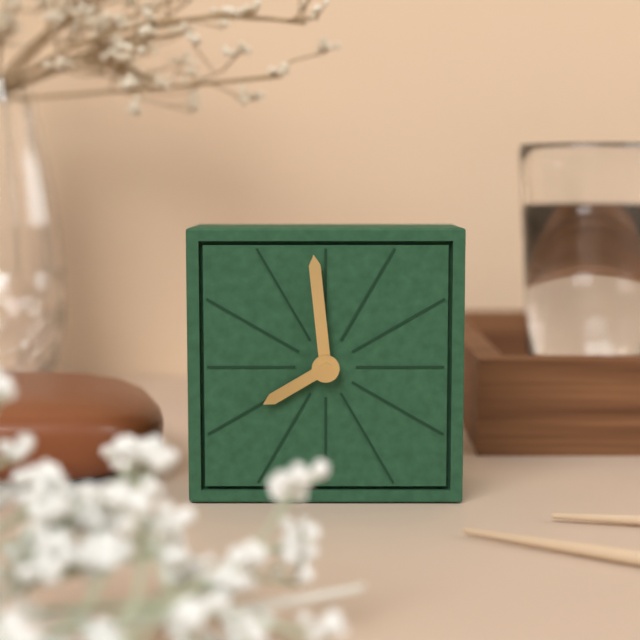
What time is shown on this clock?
7:59
